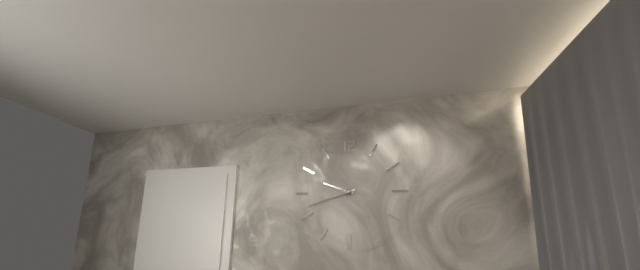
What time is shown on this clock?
9:42
